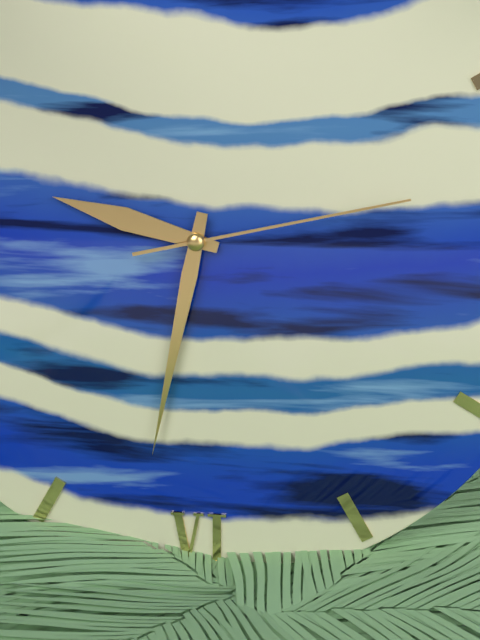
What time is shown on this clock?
9:32:13
